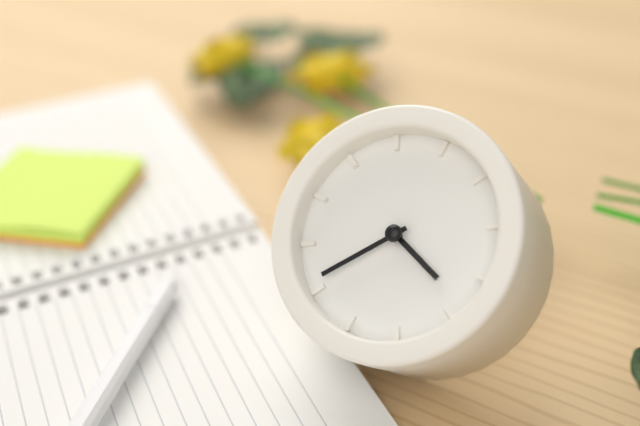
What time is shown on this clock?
3:36
